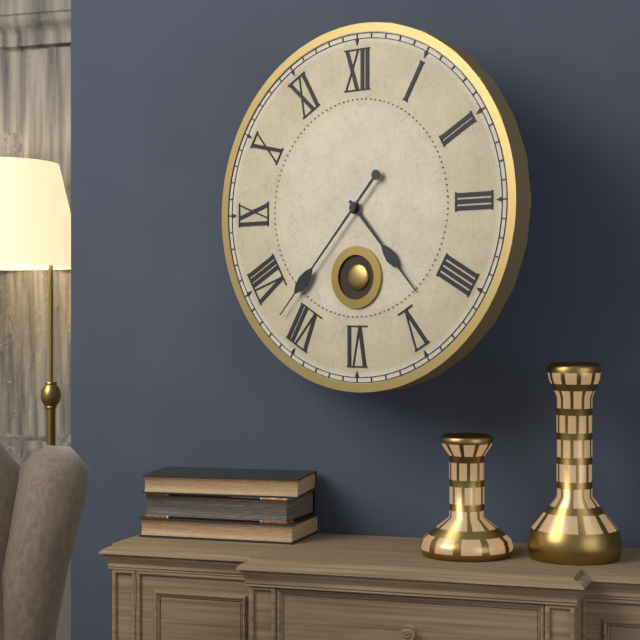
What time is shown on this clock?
4:37
